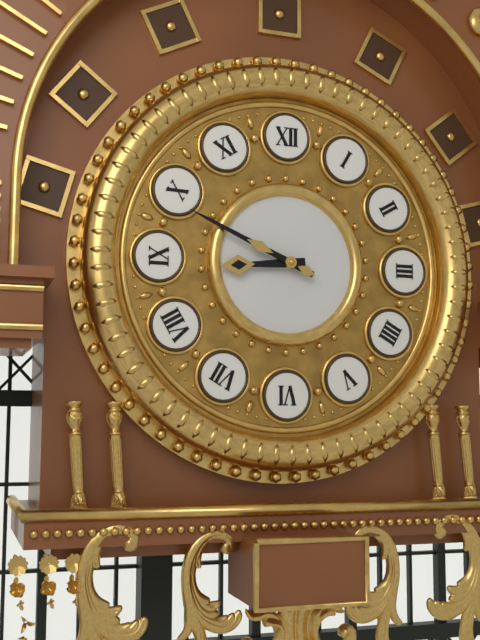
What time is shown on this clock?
8:49
